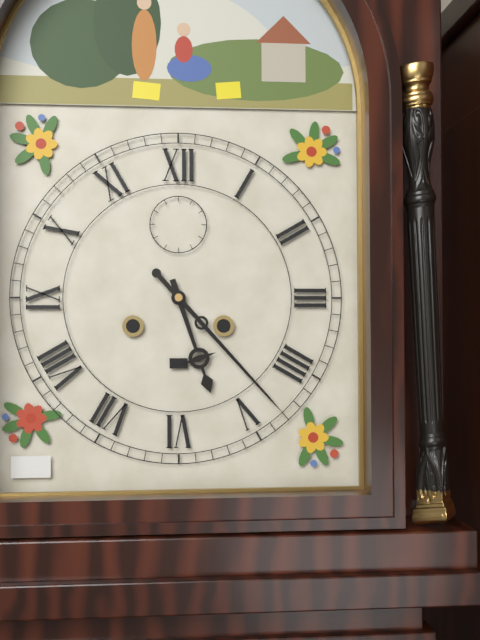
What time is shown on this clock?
5:23
